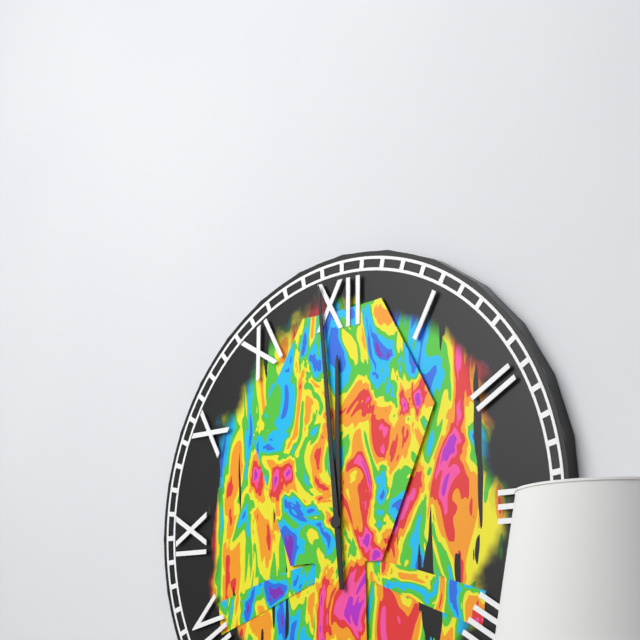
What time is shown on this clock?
11:59
